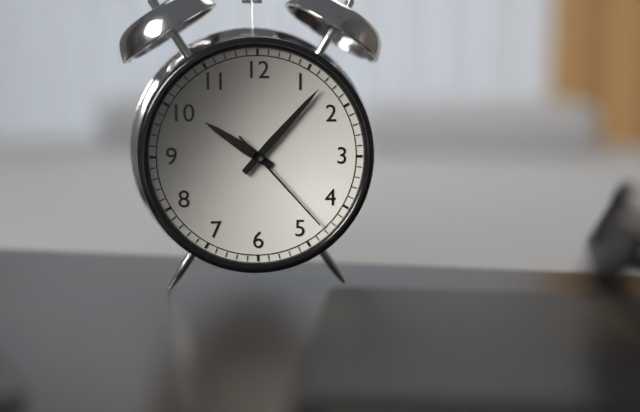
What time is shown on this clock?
10:07:23
